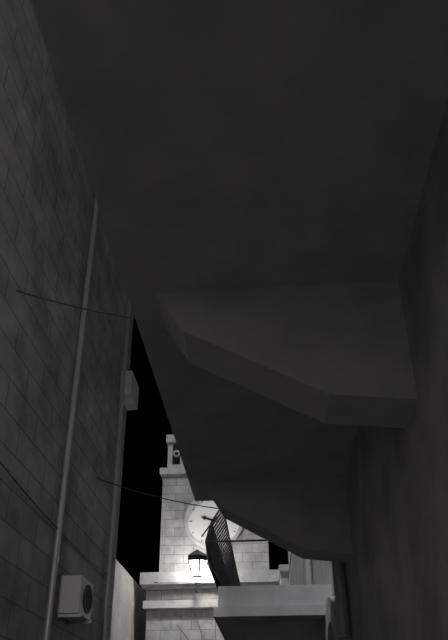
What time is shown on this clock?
9:36
